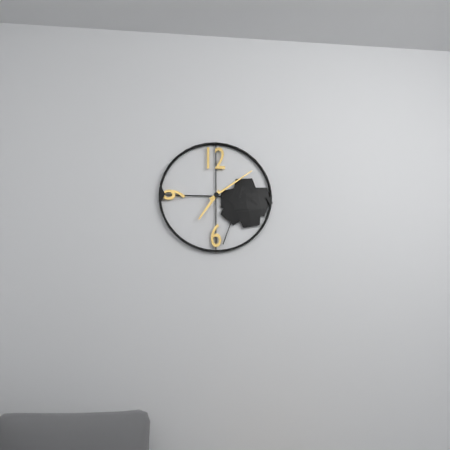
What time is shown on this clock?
7:09
